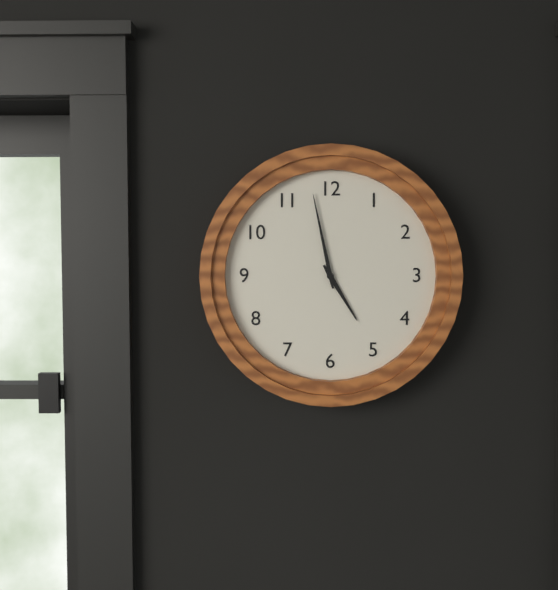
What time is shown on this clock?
4:58
